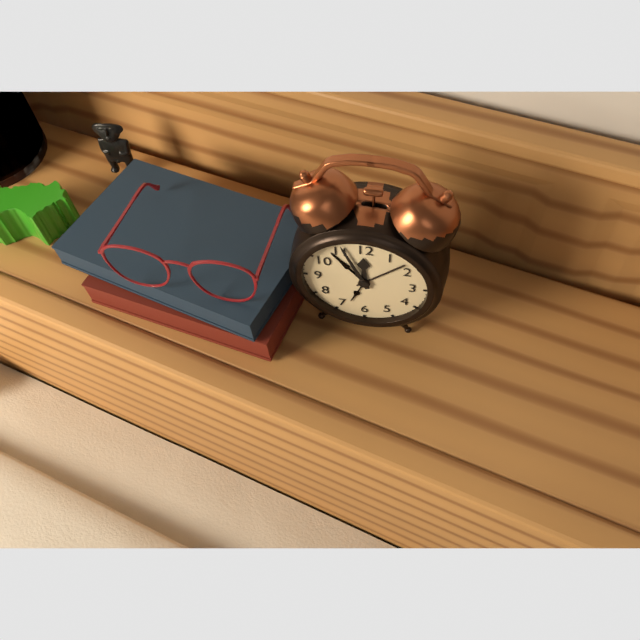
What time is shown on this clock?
11:56
